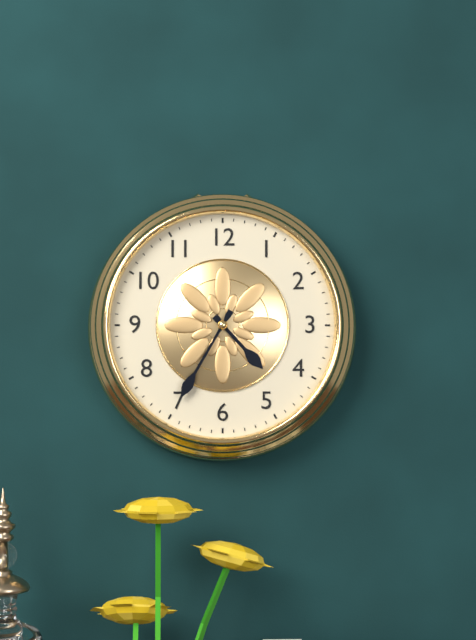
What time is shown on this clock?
4:35
